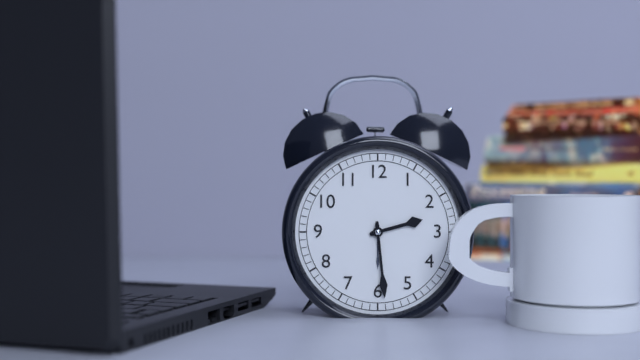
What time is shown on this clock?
2:29
